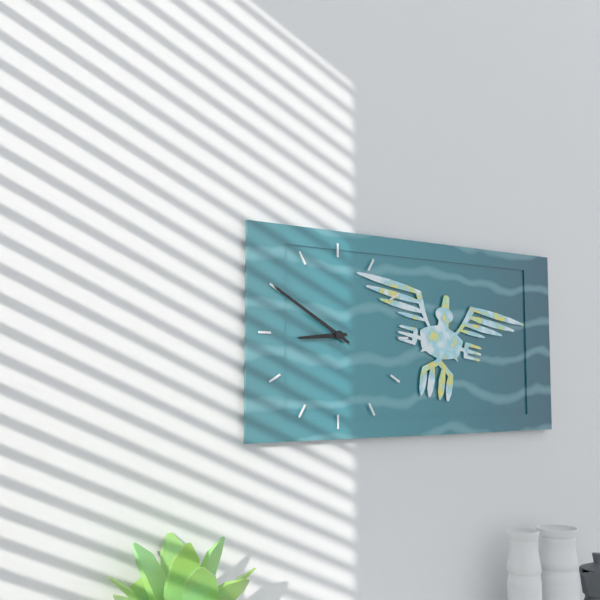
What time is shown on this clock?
8:50
